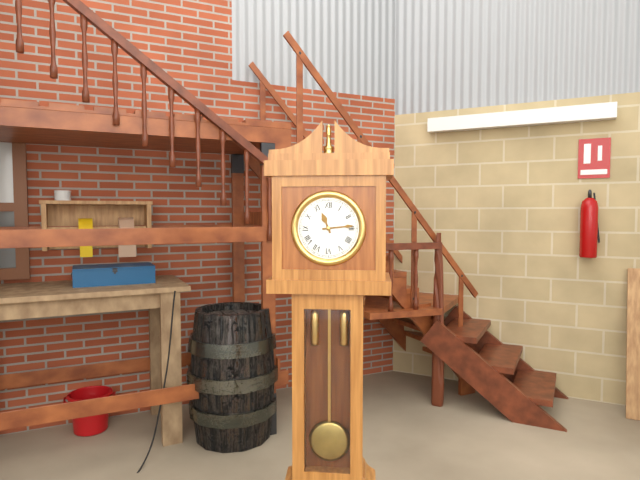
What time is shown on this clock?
11:14
